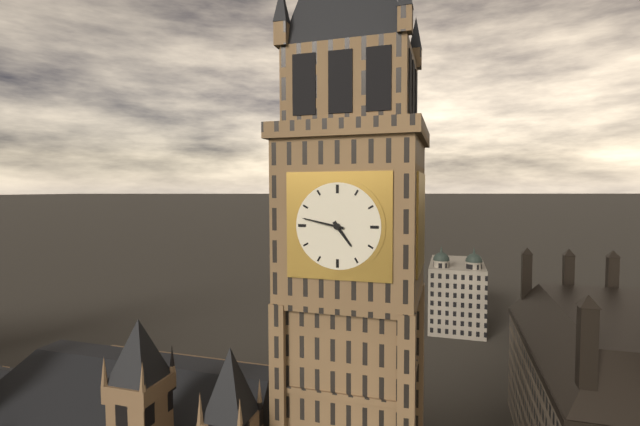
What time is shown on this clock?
4:47
